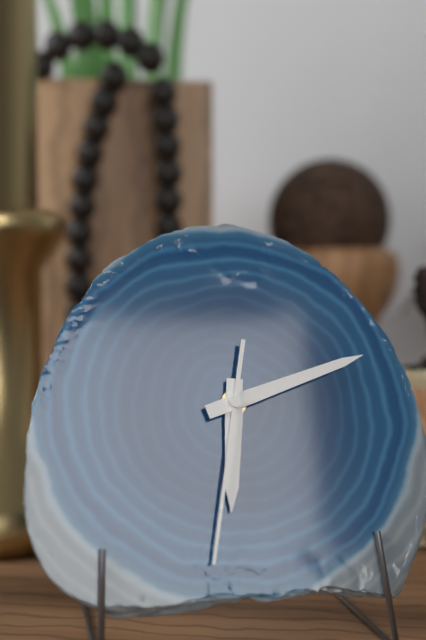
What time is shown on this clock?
6:12:32
